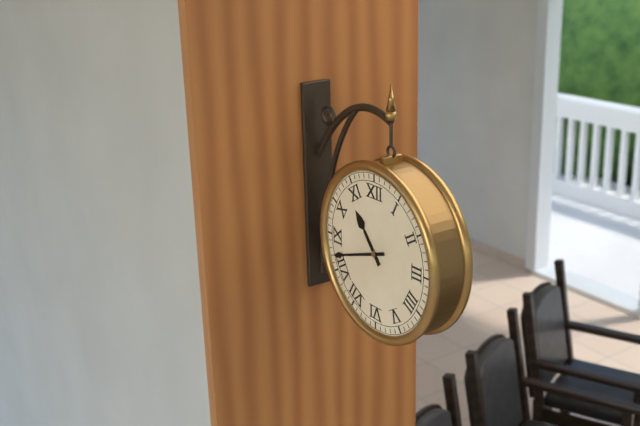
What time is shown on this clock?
10:42
